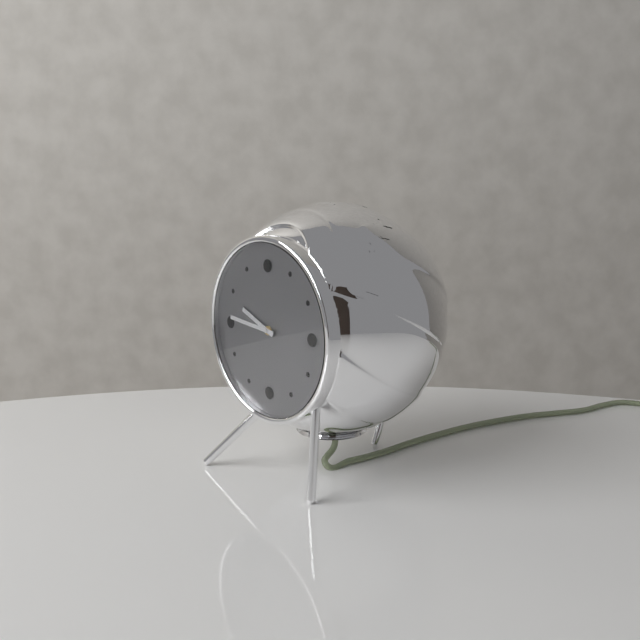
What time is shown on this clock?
9:46
